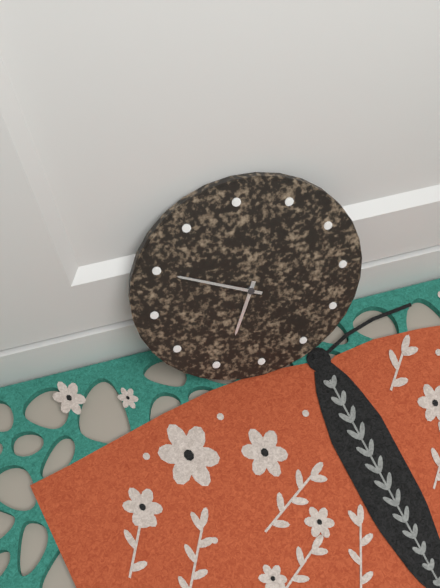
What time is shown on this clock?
6:50
